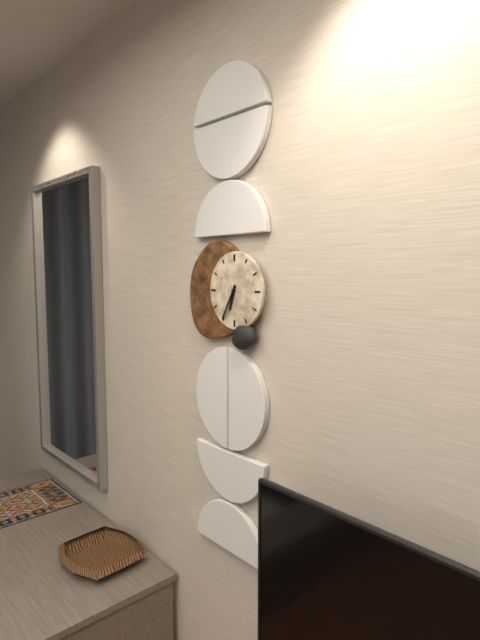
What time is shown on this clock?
6:35
